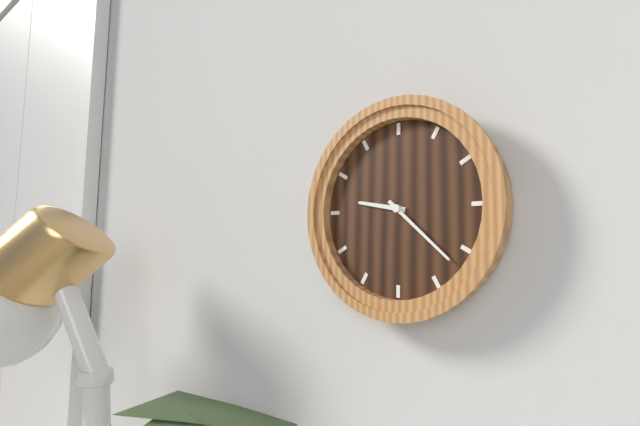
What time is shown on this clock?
9:22
